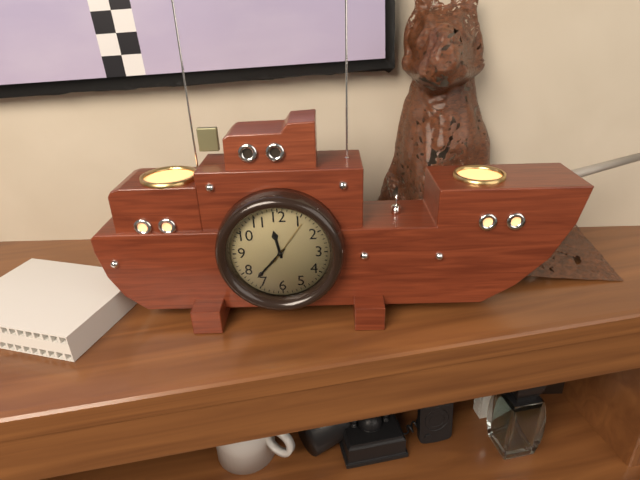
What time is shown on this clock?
11:37
